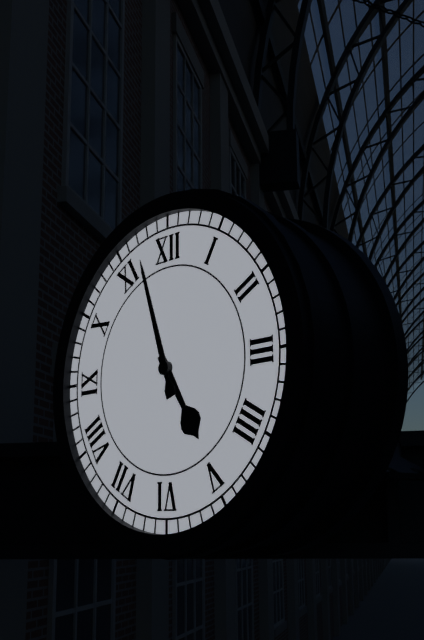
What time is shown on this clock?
4:57
